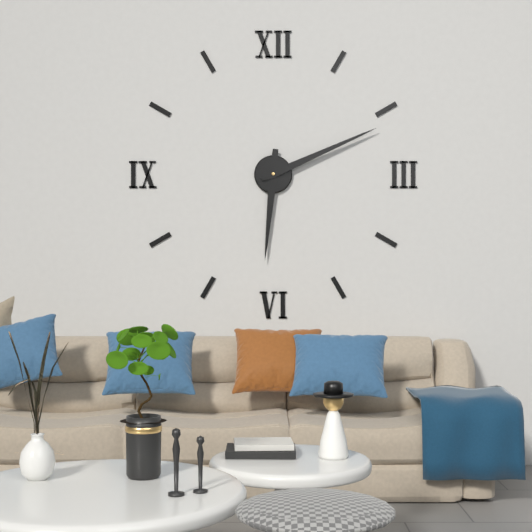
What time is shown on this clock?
6:11
